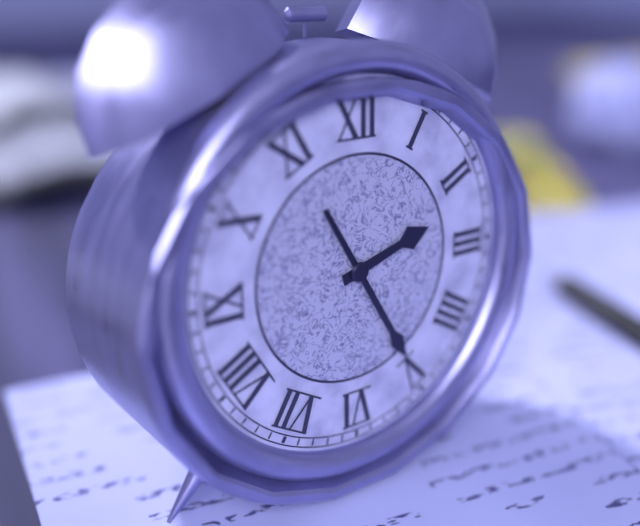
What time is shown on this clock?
2:25
